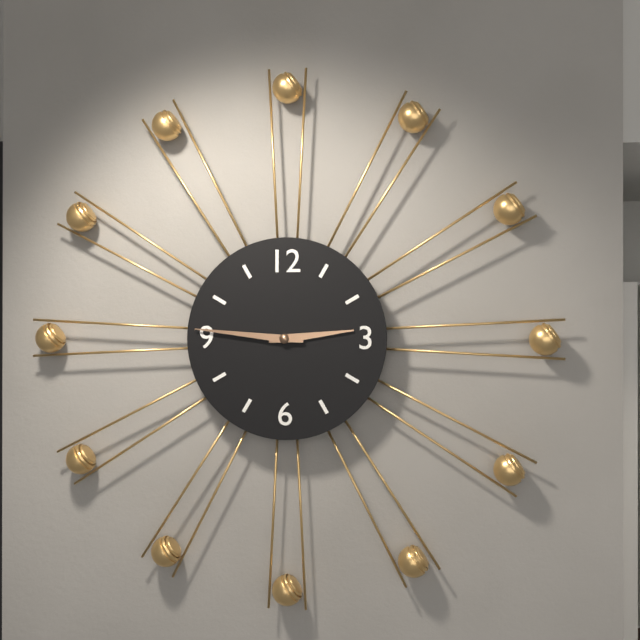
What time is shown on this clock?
2:46
